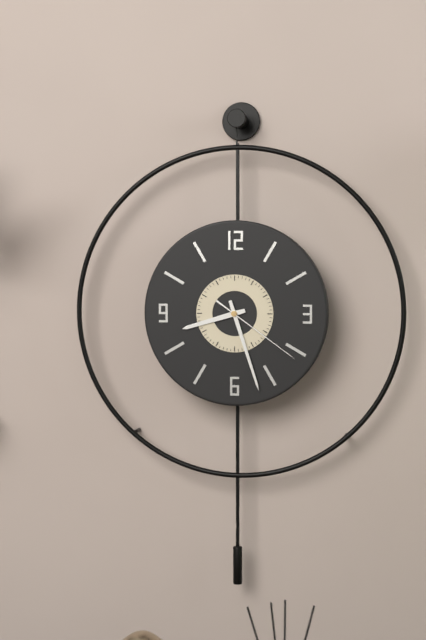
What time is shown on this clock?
8:27:21
